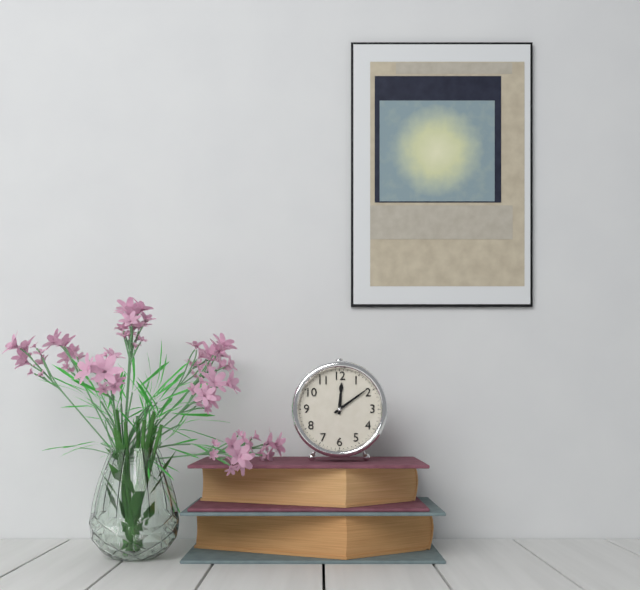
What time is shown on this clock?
12:09
